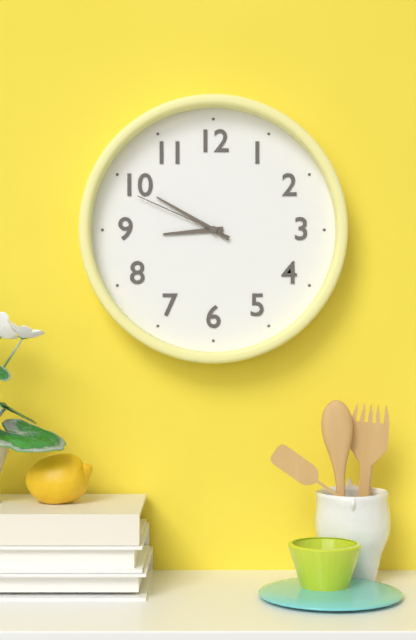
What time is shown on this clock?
8:50:49
